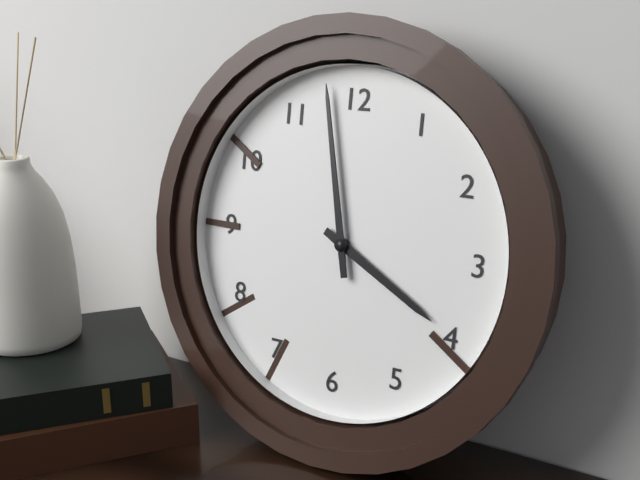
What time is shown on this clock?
3:58
